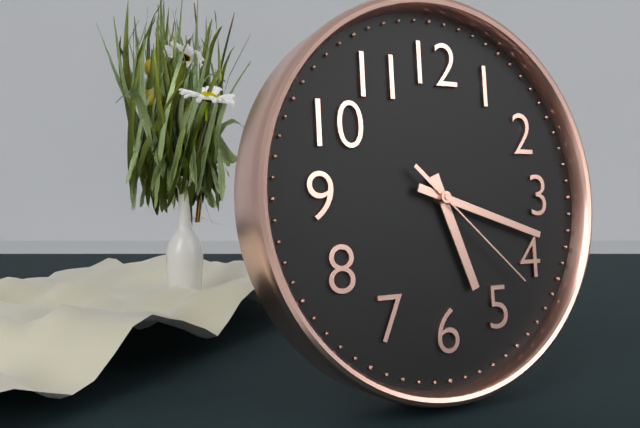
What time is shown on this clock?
5:18:22
